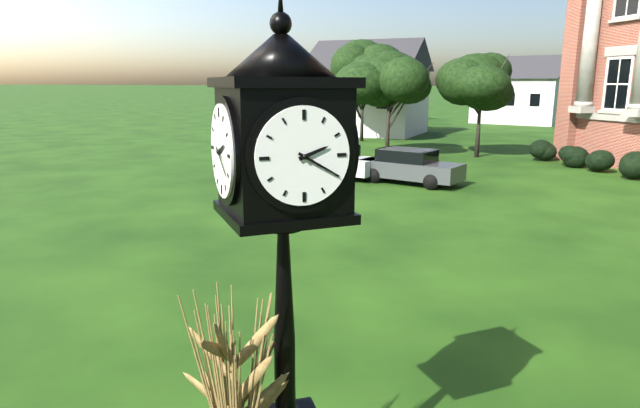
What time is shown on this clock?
2:20
